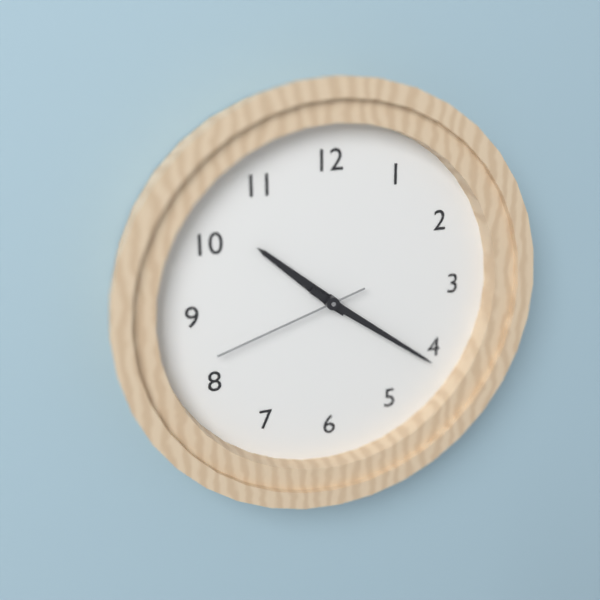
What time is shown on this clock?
10:21:42
